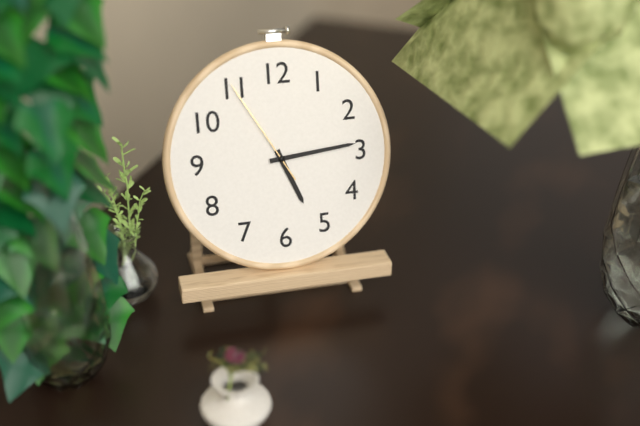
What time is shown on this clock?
5:14:55
